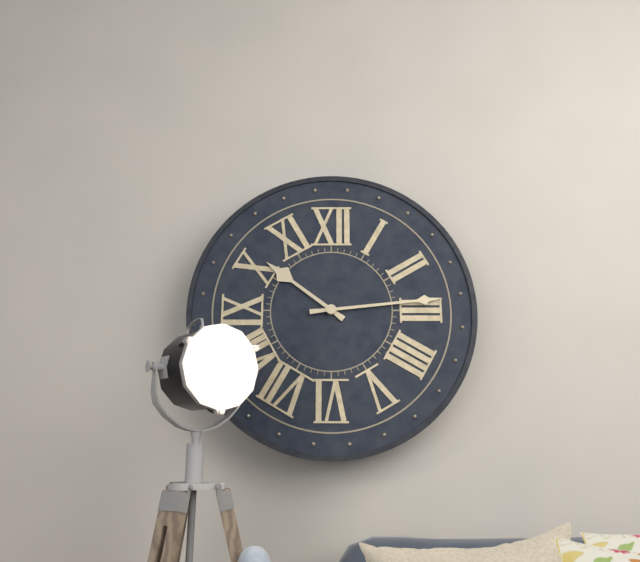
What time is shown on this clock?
10:14
